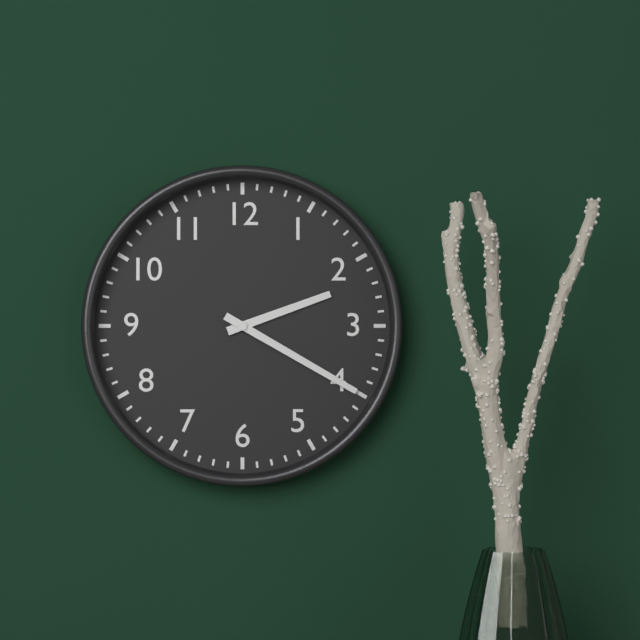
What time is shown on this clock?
2:20
